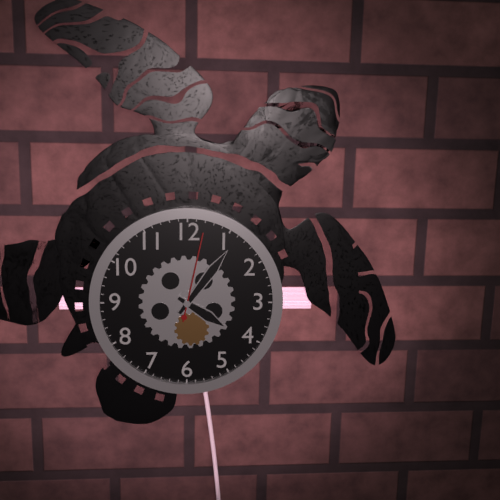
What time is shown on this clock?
4:06:02
